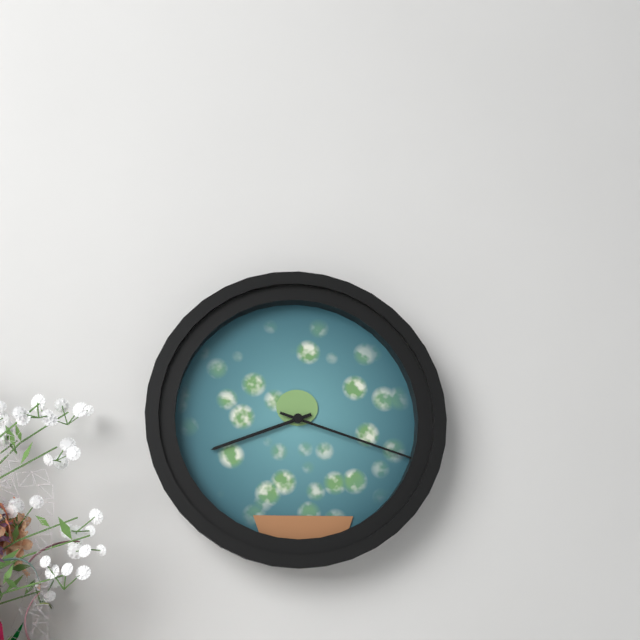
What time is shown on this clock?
8:18
